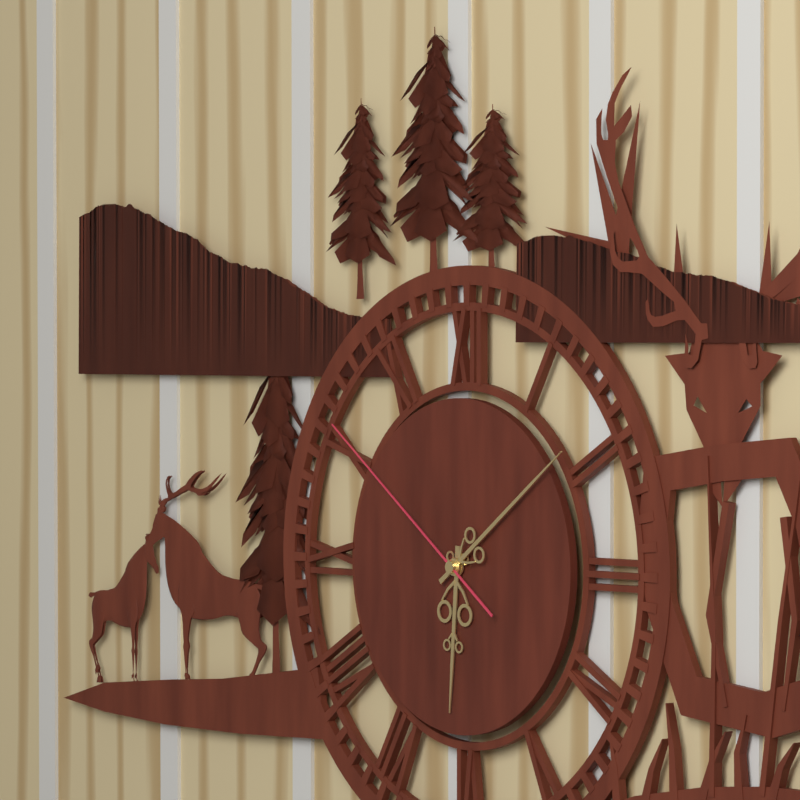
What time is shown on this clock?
6:09:51
